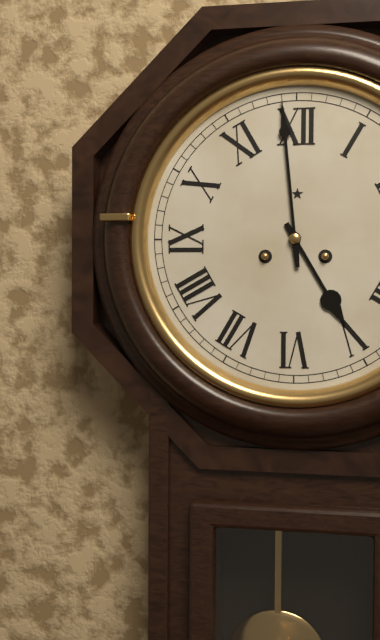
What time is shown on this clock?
4:59
